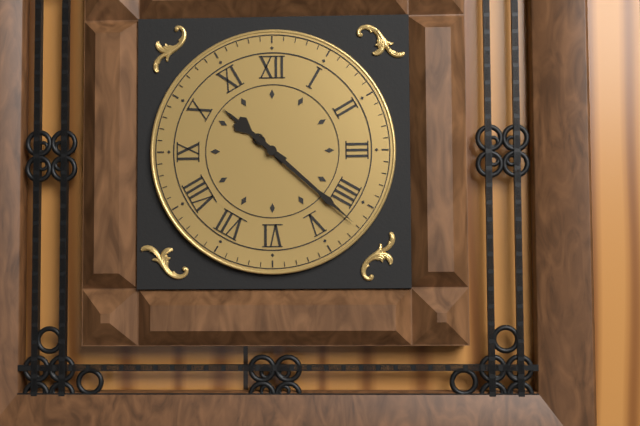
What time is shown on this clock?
10:22
